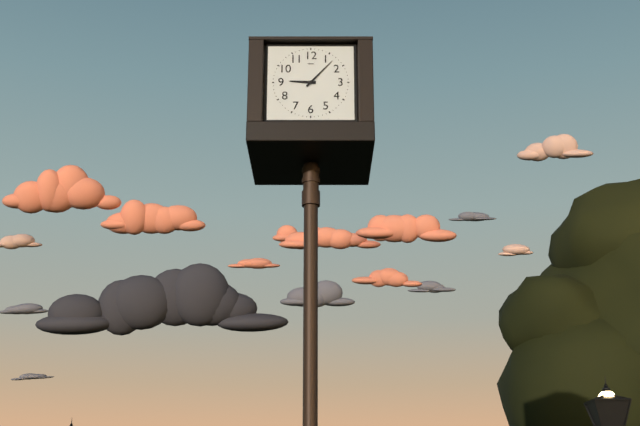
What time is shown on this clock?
9:07
